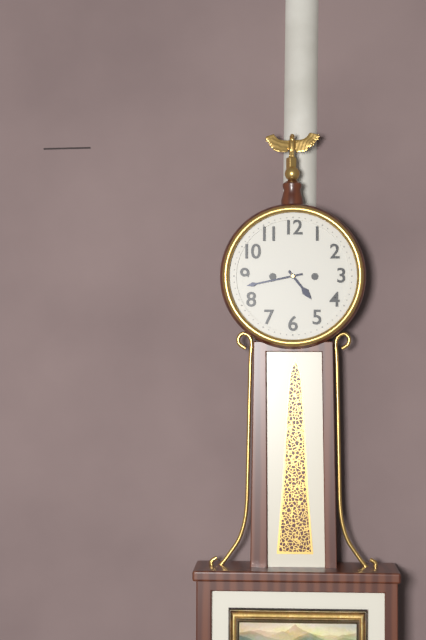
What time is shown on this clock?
4:43
